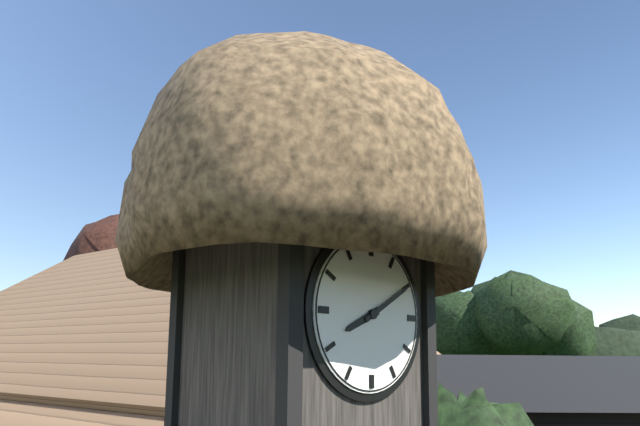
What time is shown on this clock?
8:10
